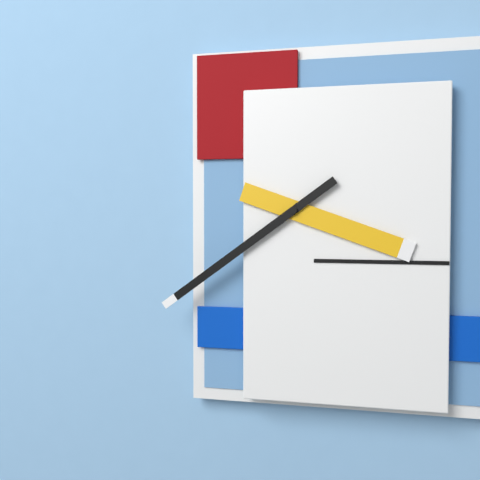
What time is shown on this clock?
3:39
